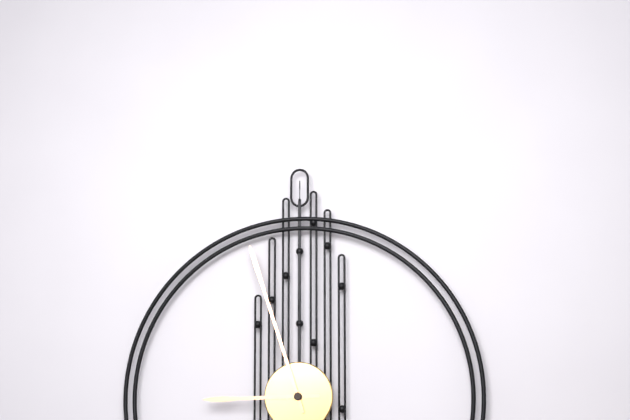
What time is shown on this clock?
8:57
